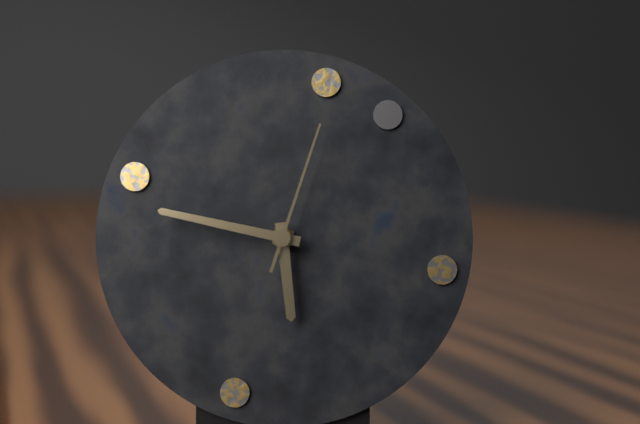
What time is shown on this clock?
5:47:03
